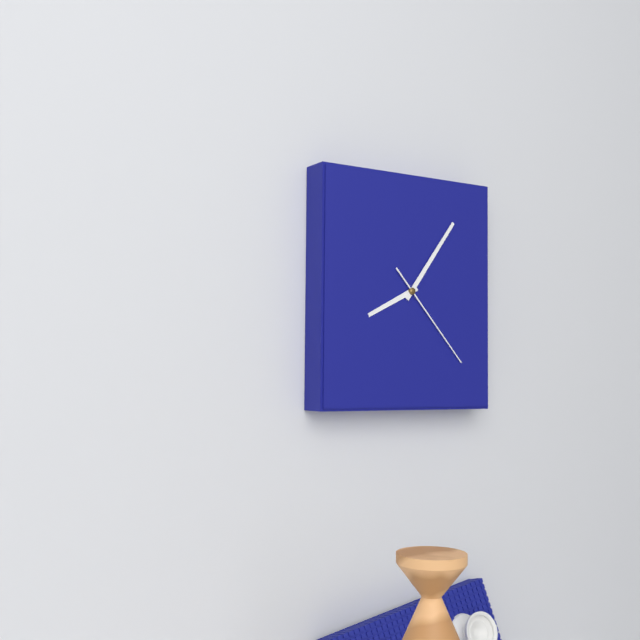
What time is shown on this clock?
8:06:23
